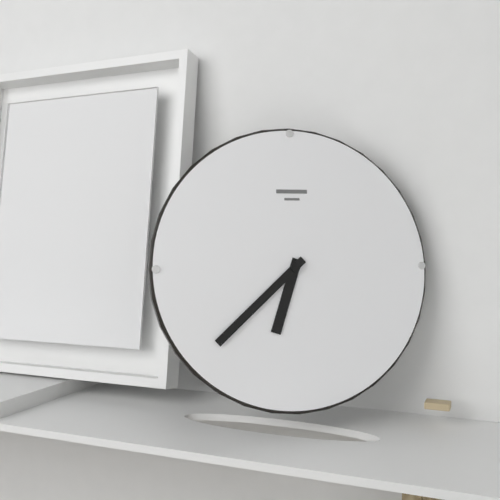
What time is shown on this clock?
6:38
